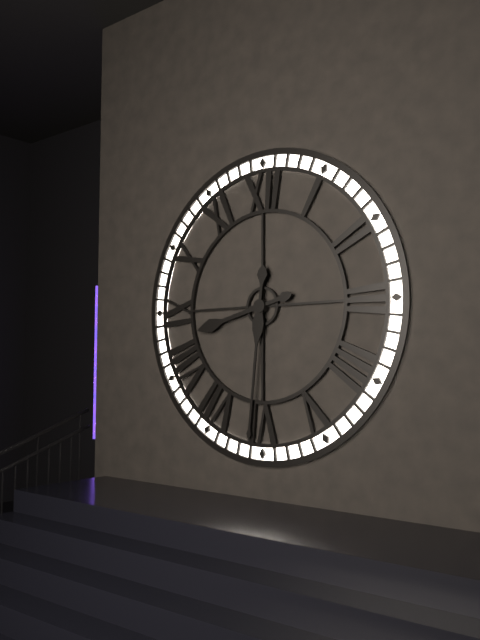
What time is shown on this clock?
8:31
